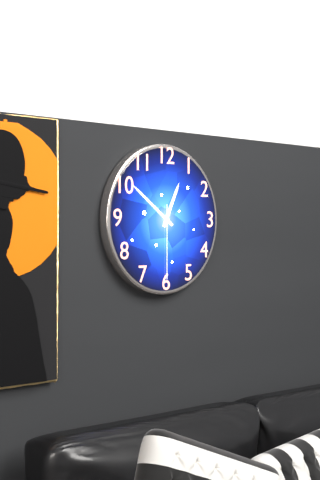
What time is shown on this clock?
12:51:30
